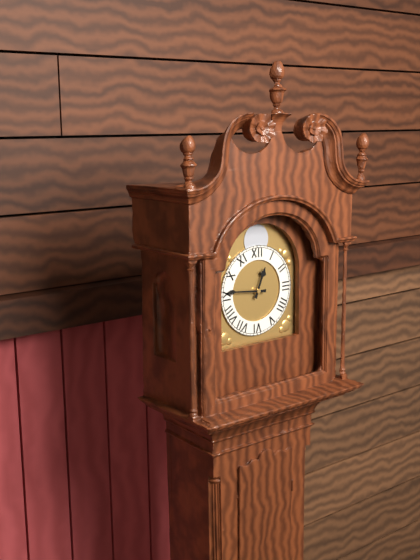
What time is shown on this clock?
12:46
